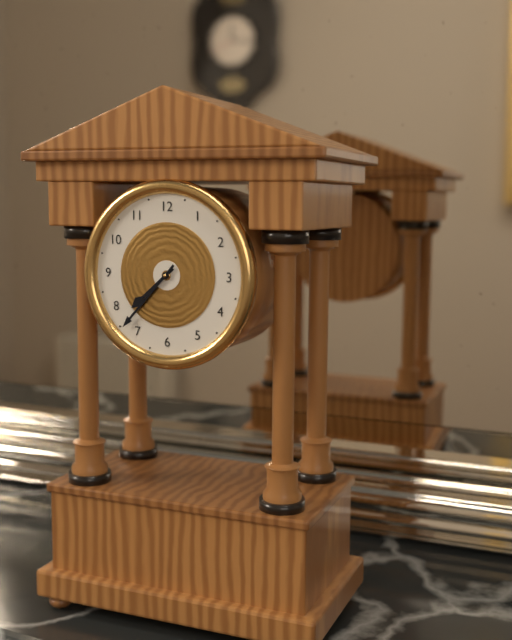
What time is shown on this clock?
7:37
